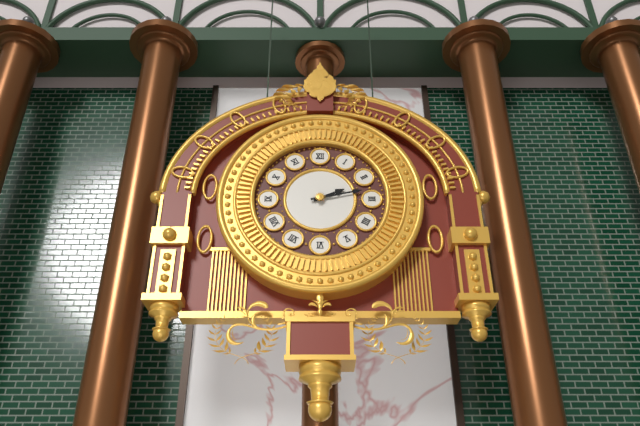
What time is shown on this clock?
2:13
